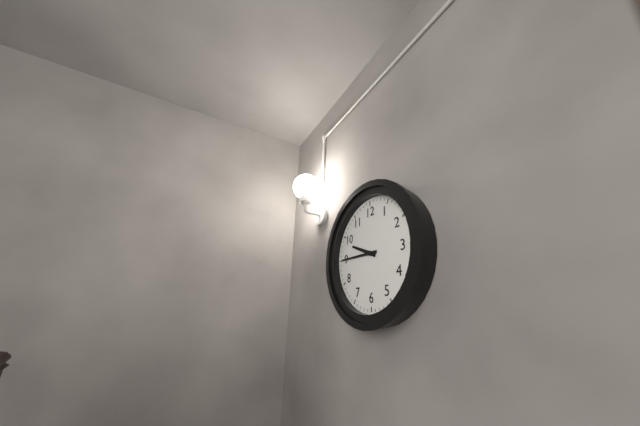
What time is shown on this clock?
9:45
